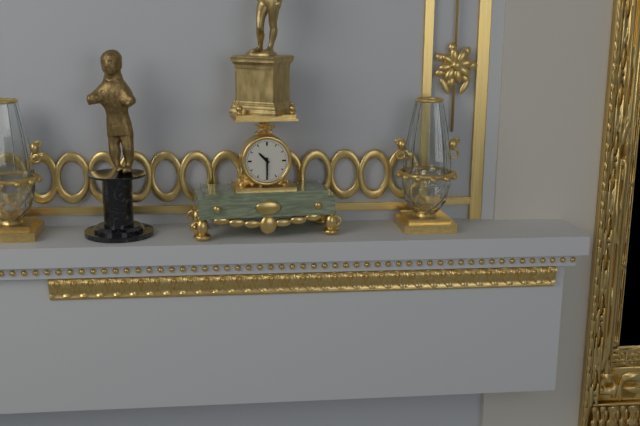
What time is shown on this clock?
10:30
